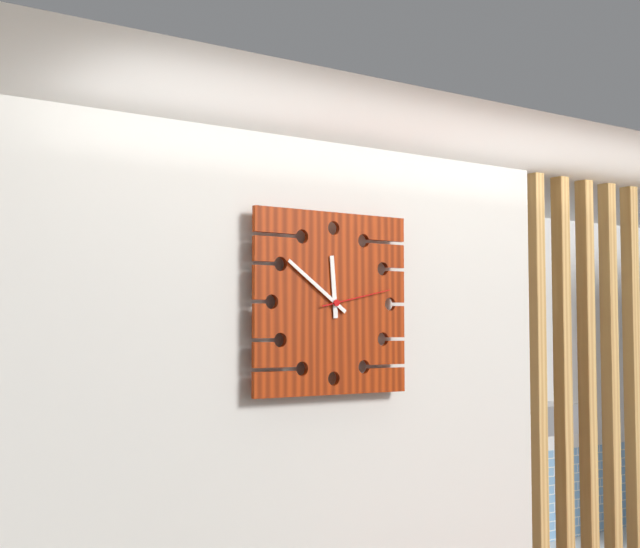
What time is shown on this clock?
11:51:13
